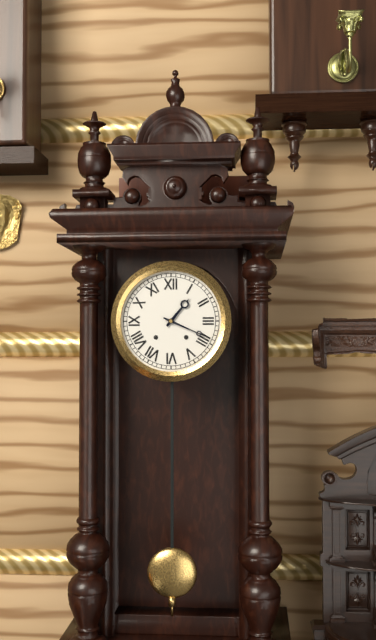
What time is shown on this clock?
1:19
